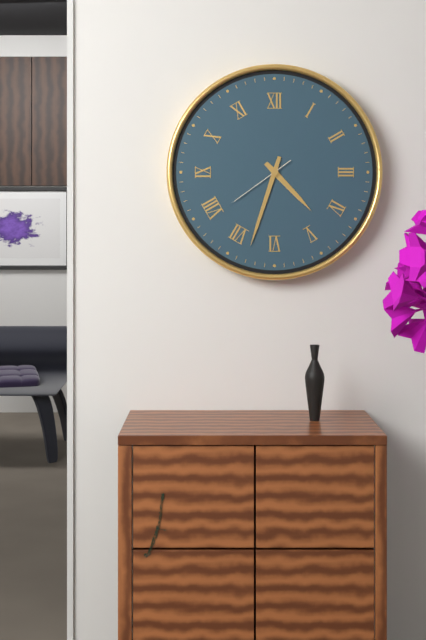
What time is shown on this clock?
4:33:39
